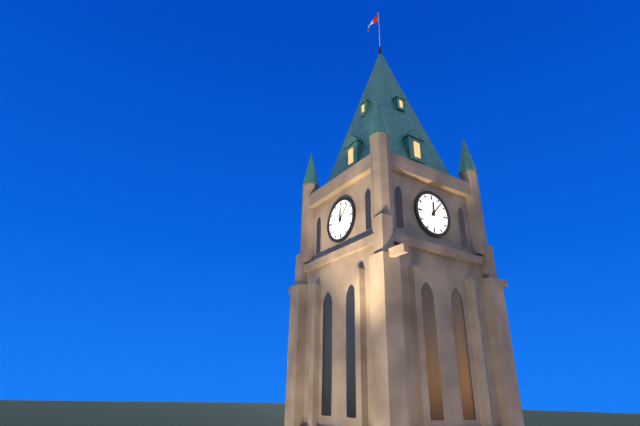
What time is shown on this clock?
12:07
